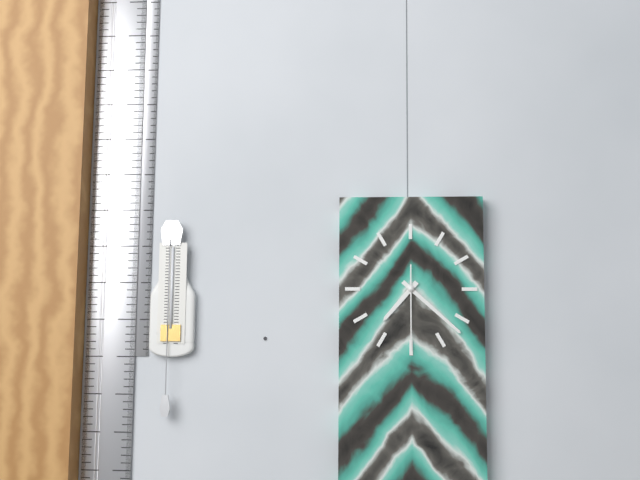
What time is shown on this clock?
7:22:30
